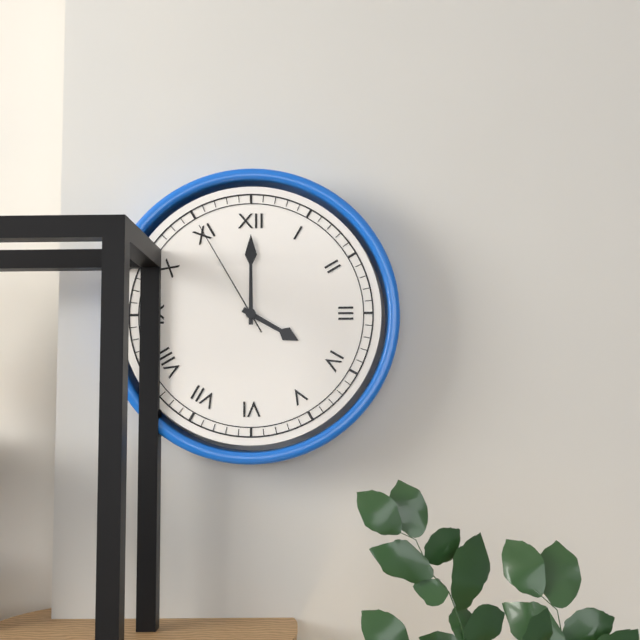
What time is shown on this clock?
4:00:55
